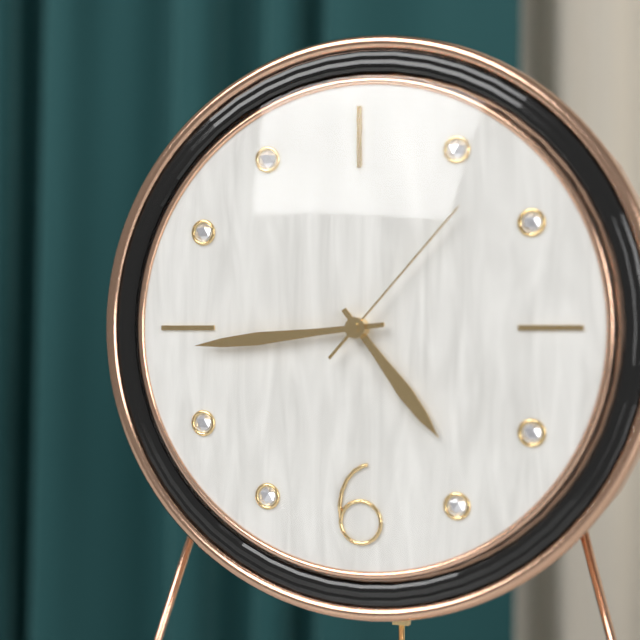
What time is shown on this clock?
4:44:07
